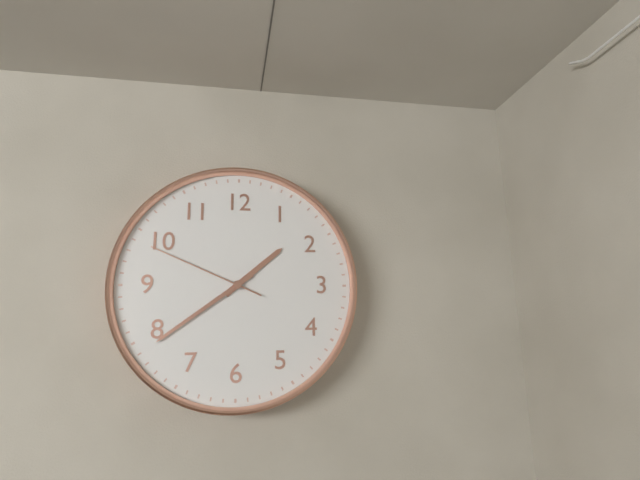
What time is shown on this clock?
1:39:49
